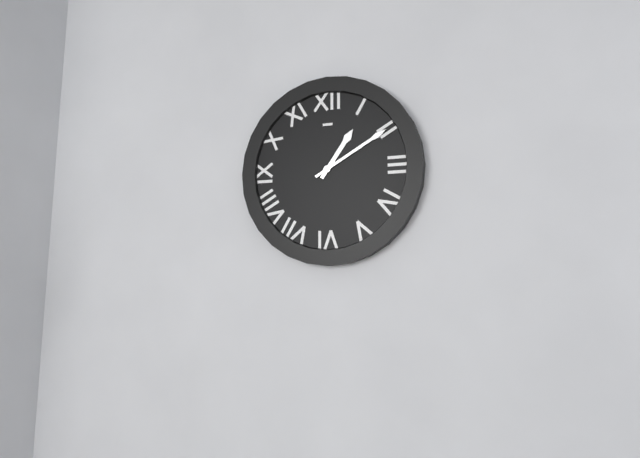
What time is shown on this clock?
1:10
